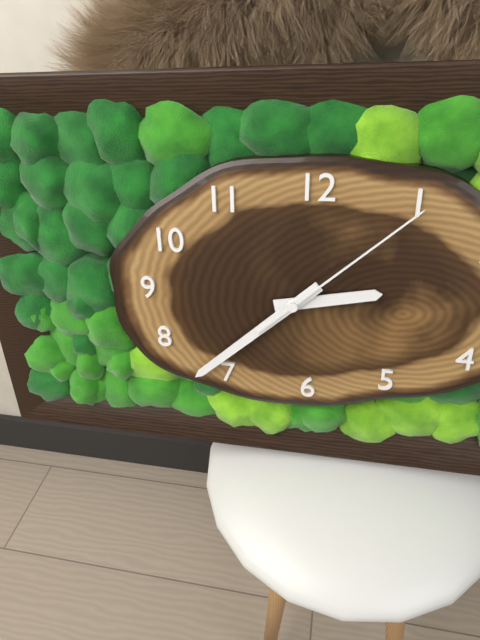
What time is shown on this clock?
2:38:08
